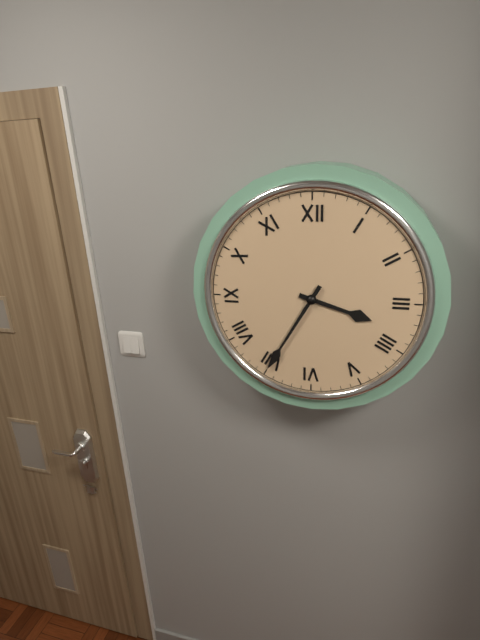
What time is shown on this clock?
3:35
